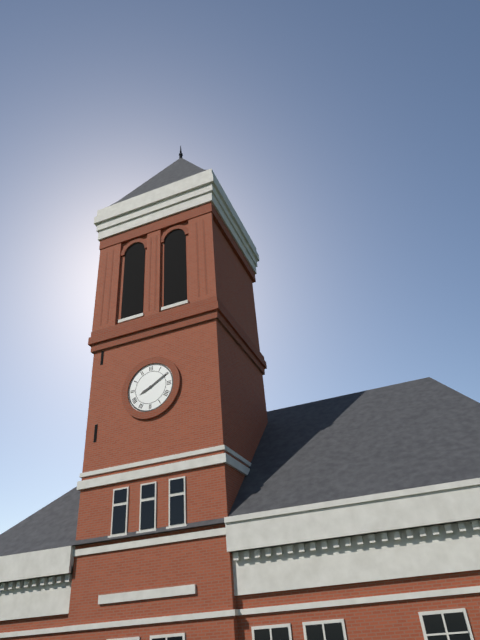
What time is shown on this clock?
8:10
